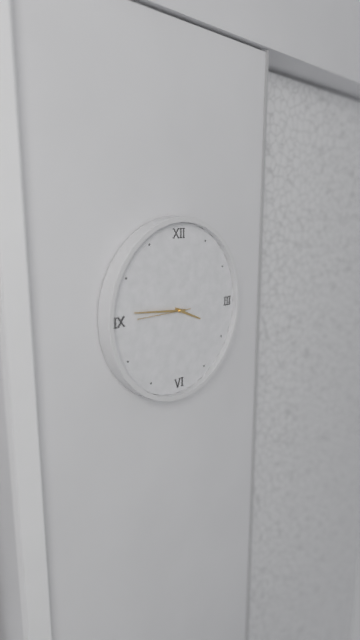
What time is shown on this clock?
3:46:45
